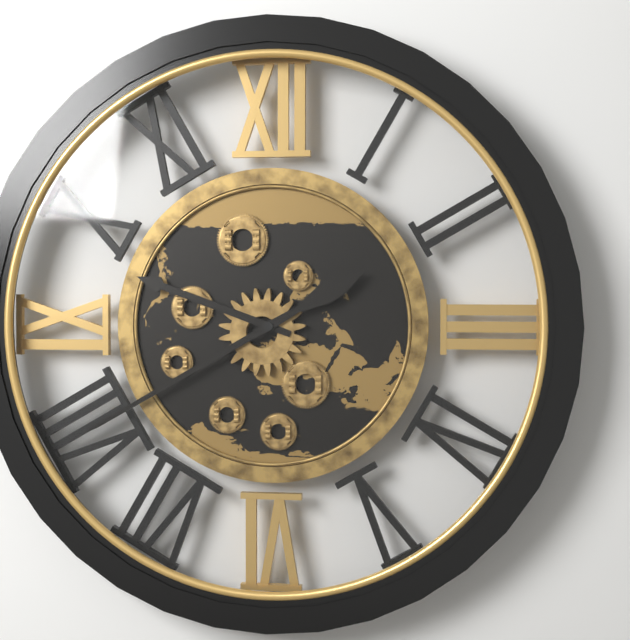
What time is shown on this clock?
9:40
